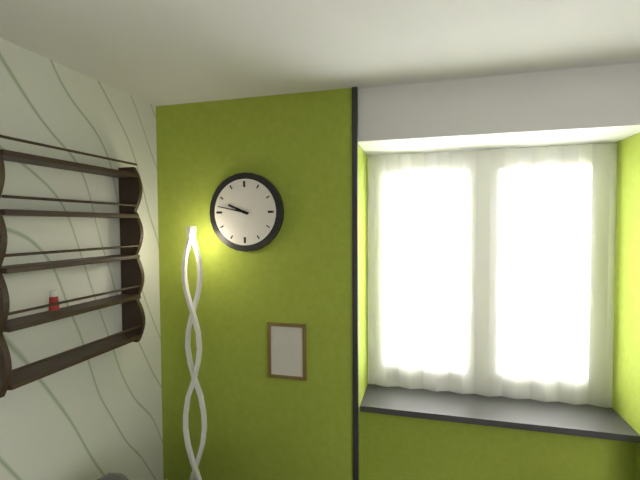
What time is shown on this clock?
9:47
